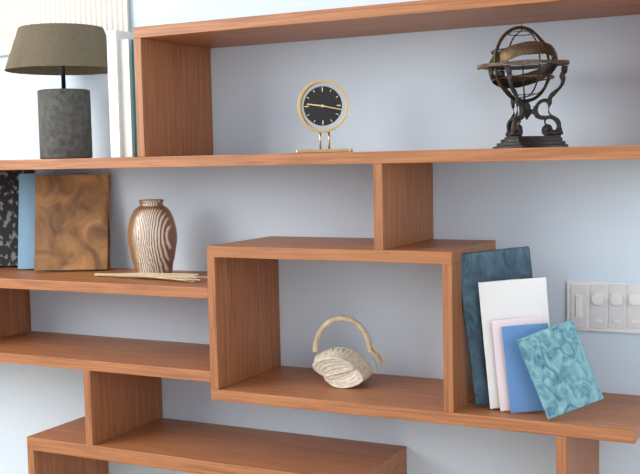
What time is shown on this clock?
9:17
